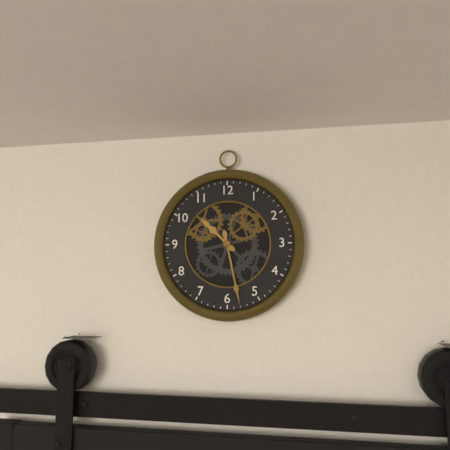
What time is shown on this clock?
10:28
